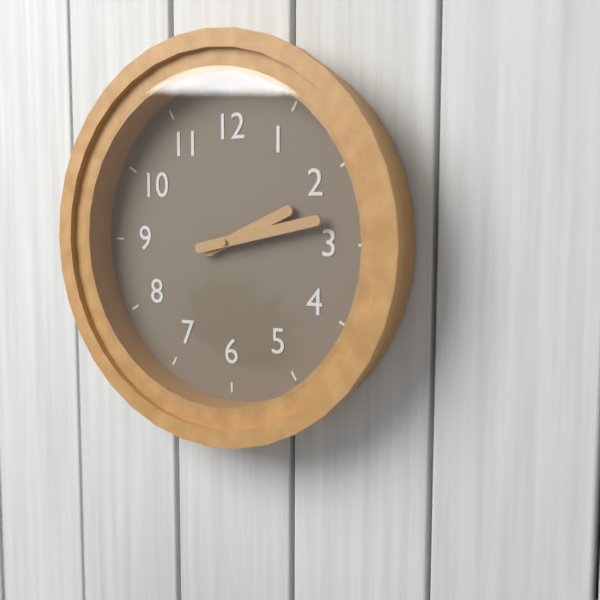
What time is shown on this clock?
2:13
